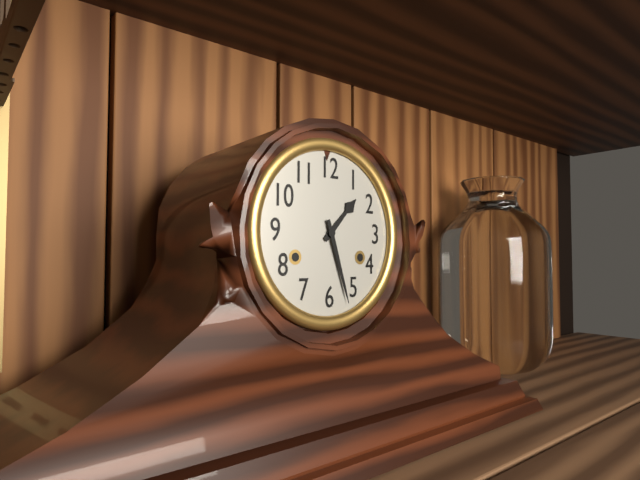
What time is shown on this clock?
1:27
